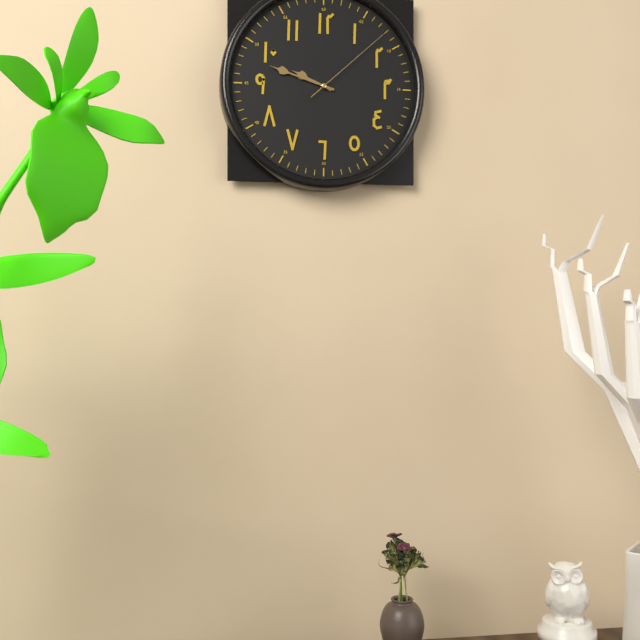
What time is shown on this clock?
9:48:08
